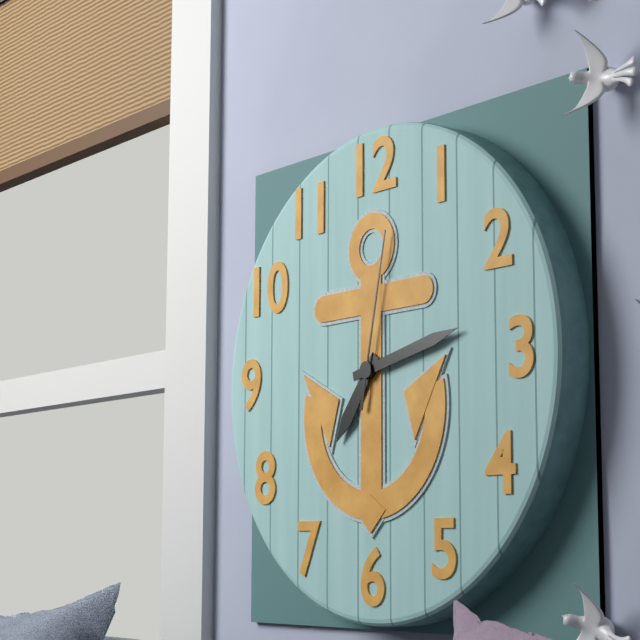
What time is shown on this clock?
7:13:02
